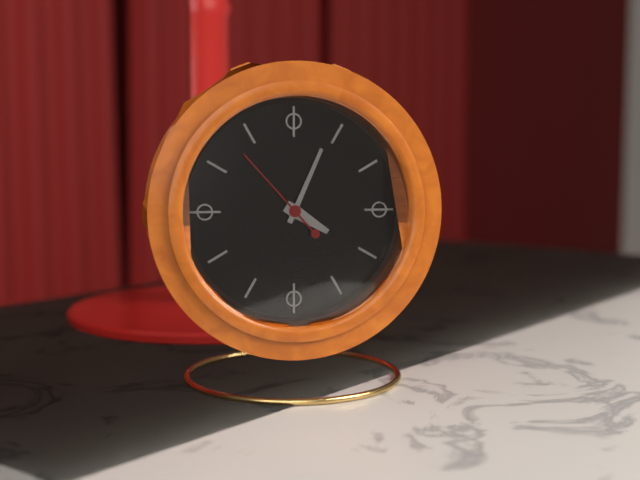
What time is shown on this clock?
4:04:53
